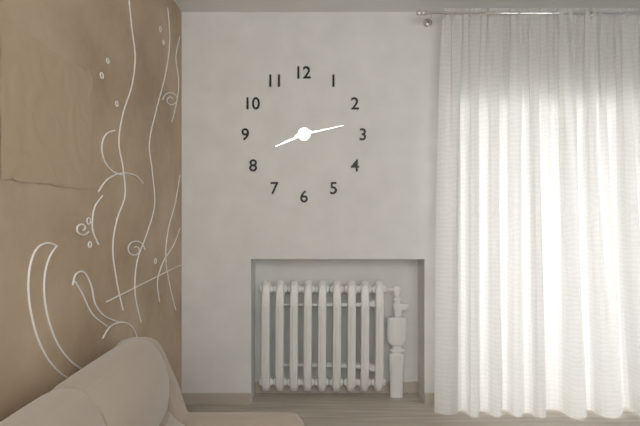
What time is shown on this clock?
8:13
